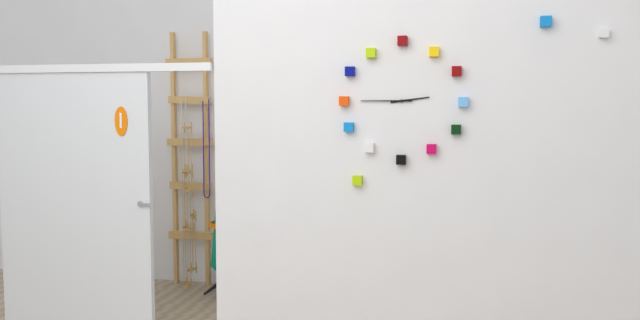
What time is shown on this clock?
2:45
